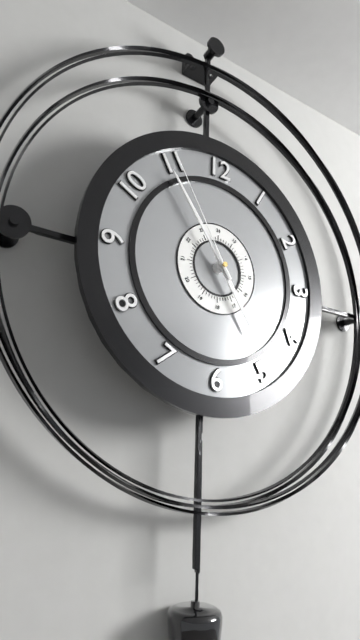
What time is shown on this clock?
4:54:55
